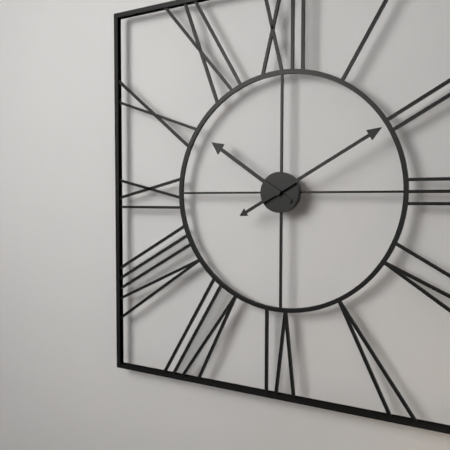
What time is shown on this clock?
10:10
